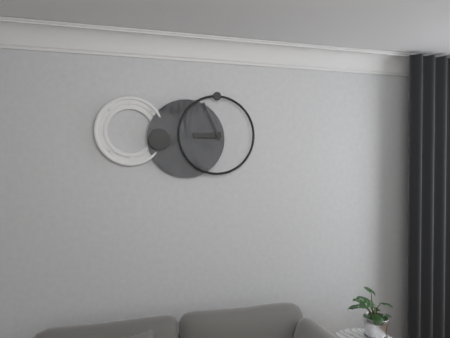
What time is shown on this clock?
8:56
